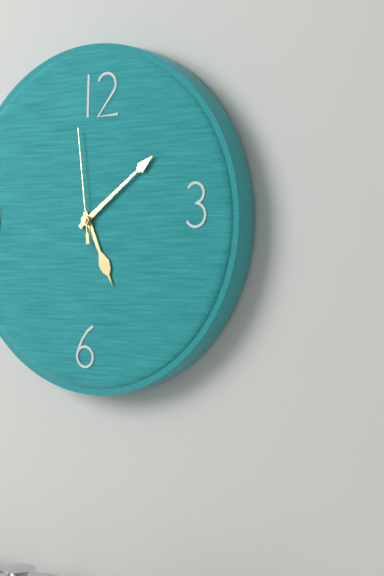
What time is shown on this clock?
5:09:59
